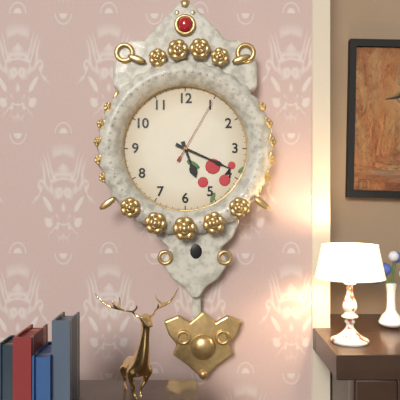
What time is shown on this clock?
5:19:05
